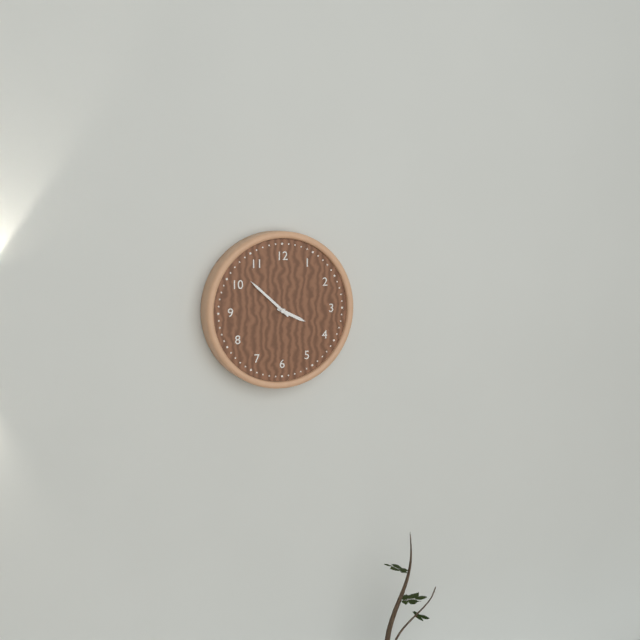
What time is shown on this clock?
3:52
